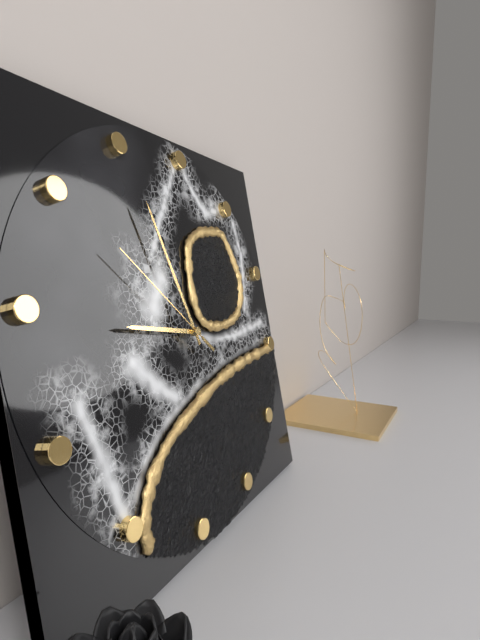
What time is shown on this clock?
8:55:50
